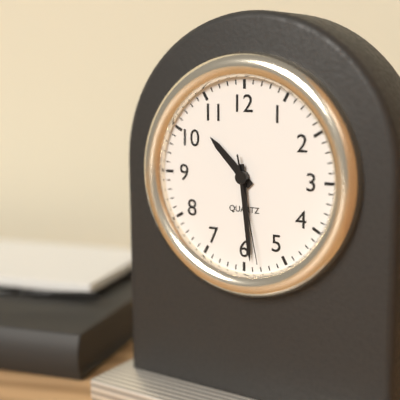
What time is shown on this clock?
10:29:28
